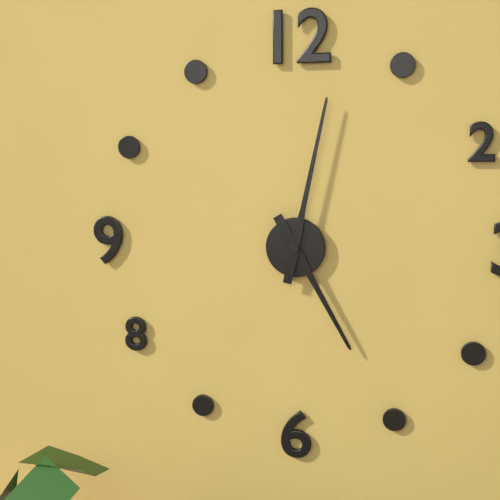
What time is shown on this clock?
5:02
